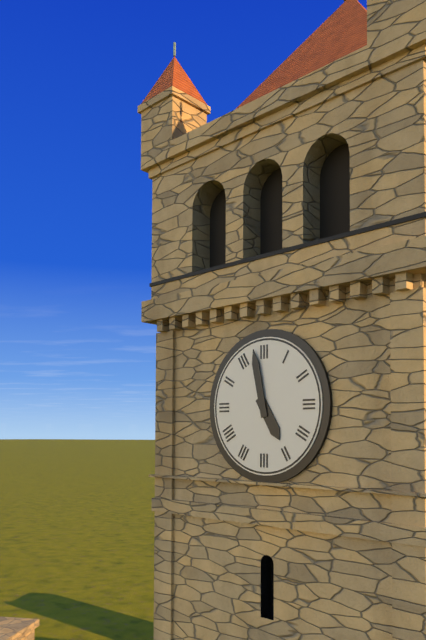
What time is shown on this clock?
4:58
